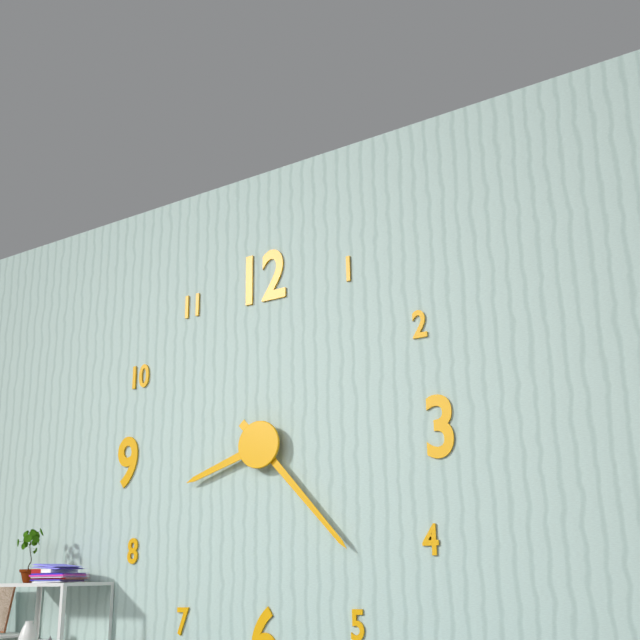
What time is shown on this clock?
8:23
